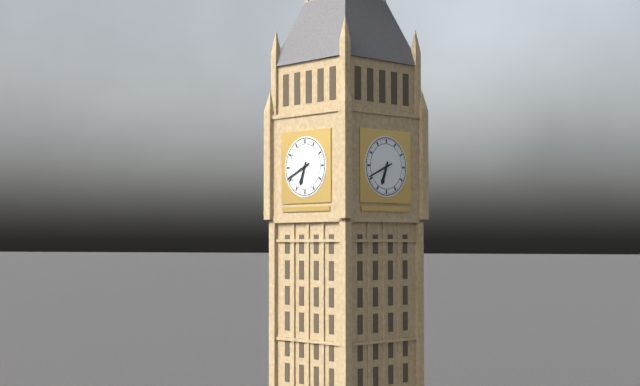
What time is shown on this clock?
6:41
